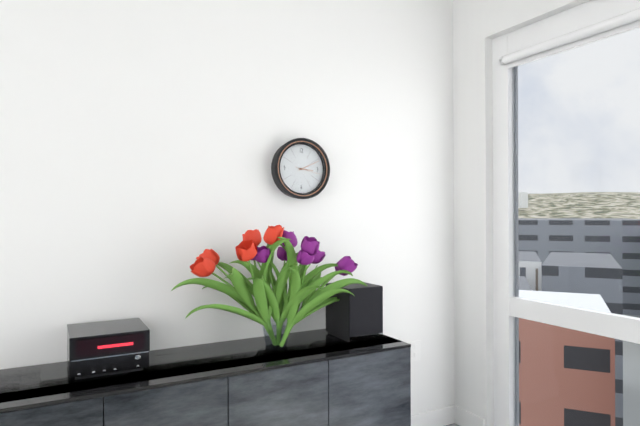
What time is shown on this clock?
3:11
